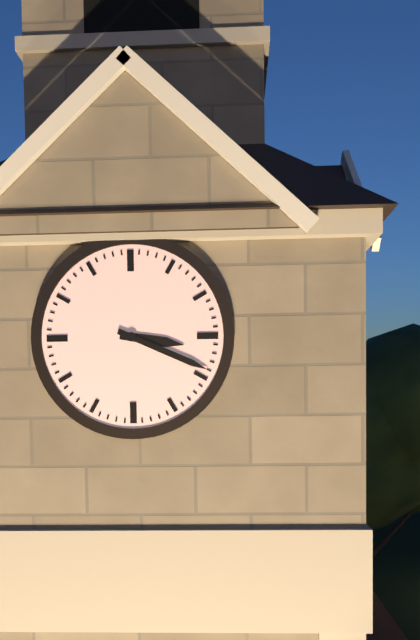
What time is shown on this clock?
3:19
